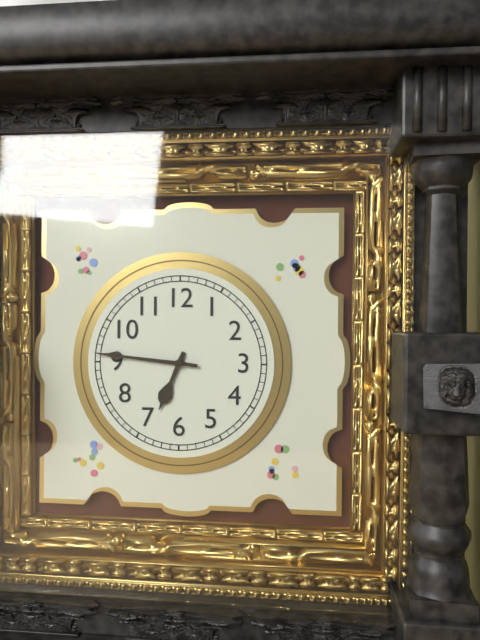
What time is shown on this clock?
6:46
